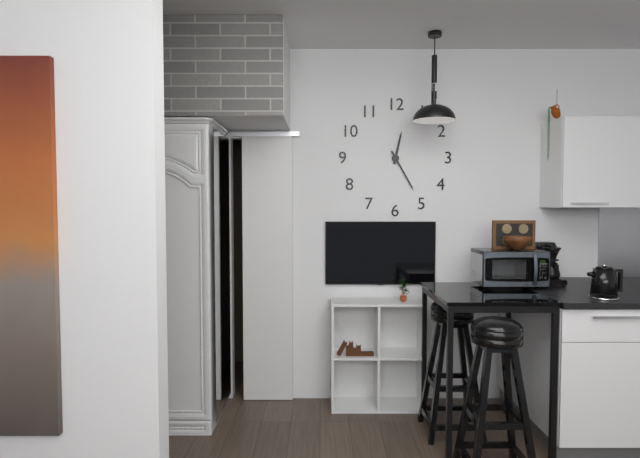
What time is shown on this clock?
12:25
